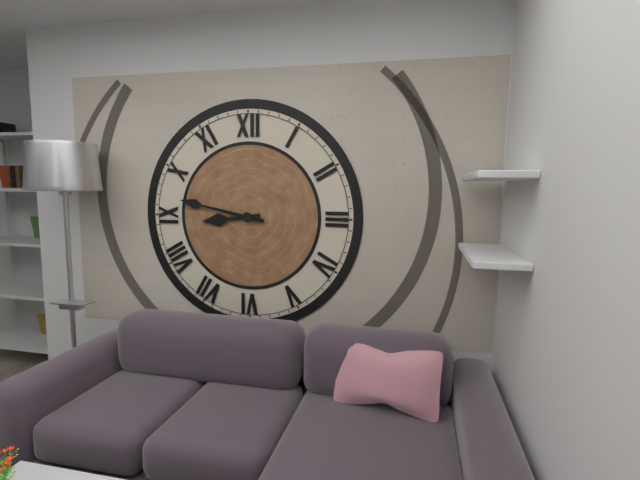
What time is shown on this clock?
8:47
